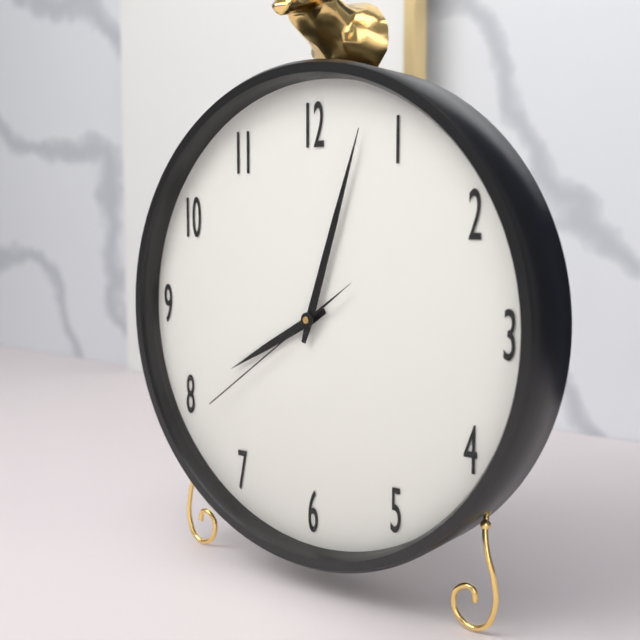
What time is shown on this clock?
8:03:39
